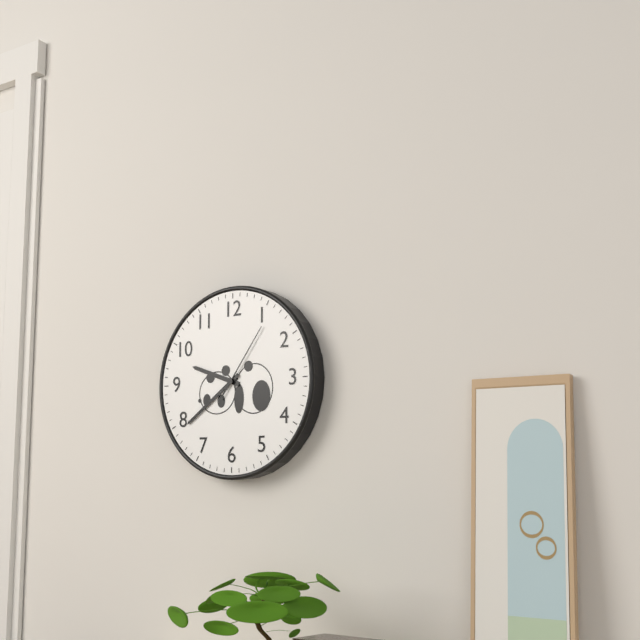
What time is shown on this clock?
9:39:06
